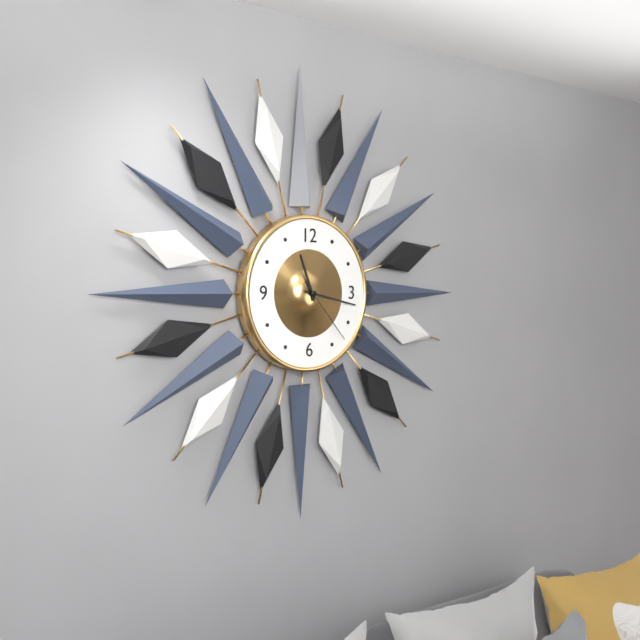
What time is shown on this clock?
11:17:23
